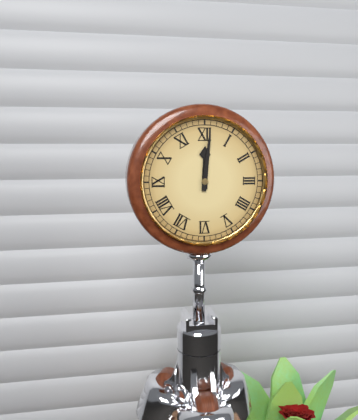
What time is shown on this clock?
12:01
